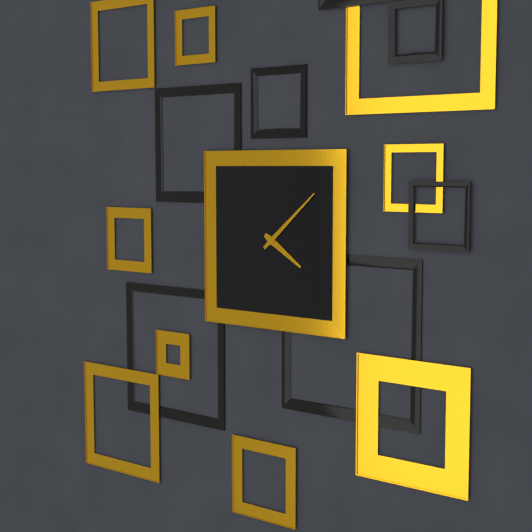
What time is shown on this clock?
4:08
